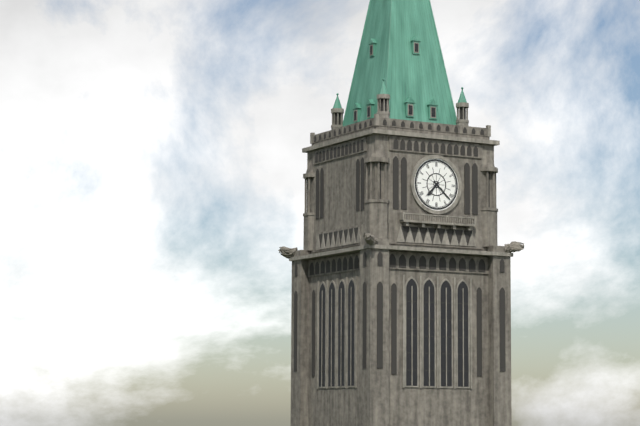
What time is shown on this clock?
7:22
